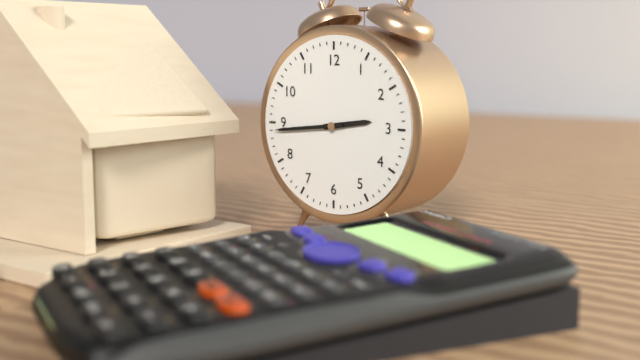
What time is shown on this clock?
2:44
